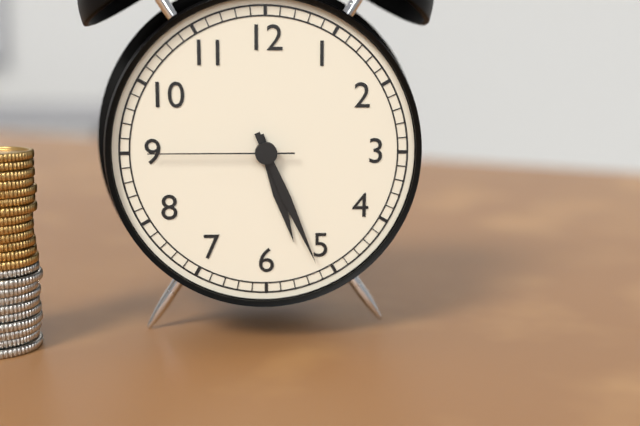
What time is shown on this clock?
5:26:45
